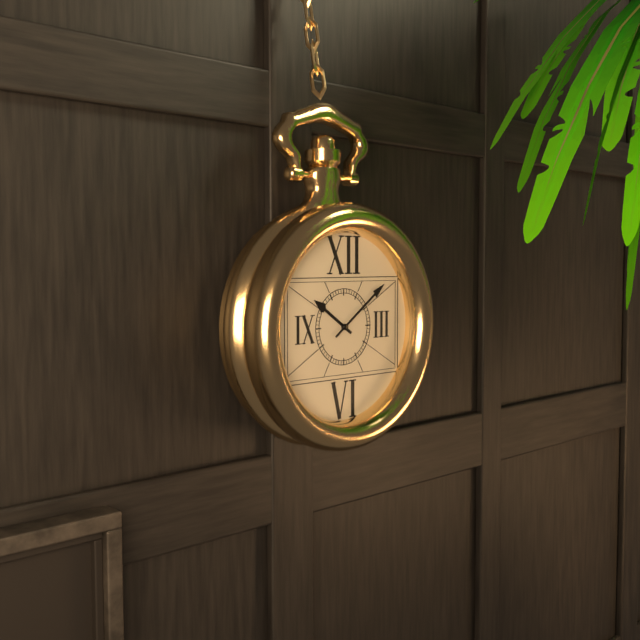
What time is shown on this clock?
10:09
